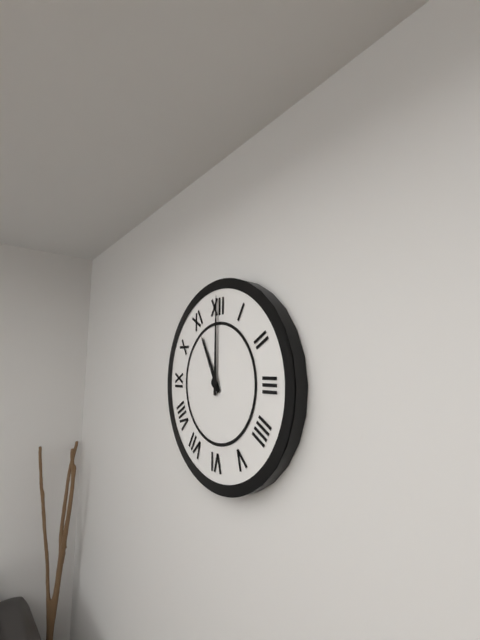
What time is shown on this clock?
11:00
